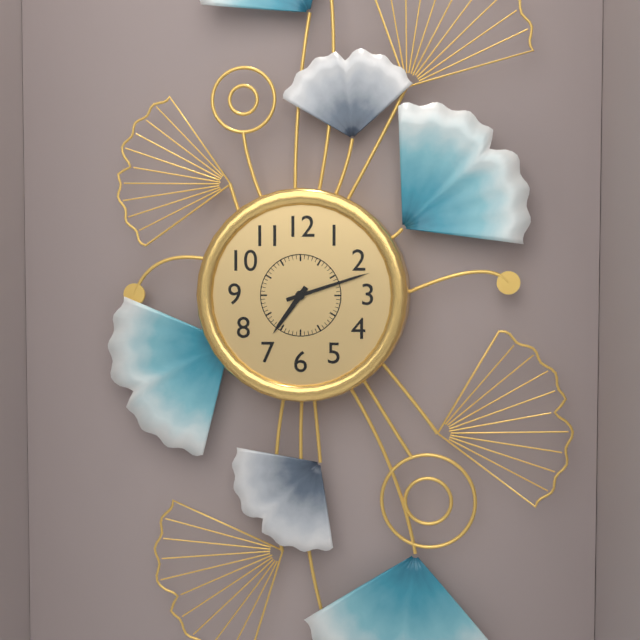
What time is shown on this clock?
7:12
